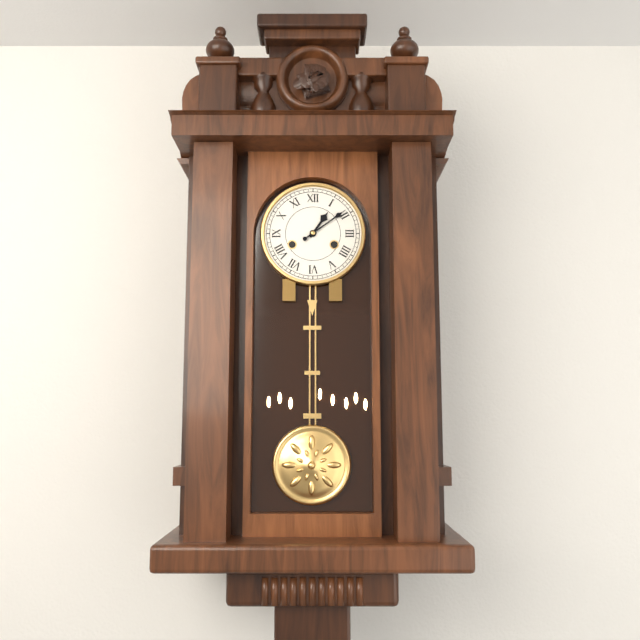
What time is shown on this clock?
1:09
